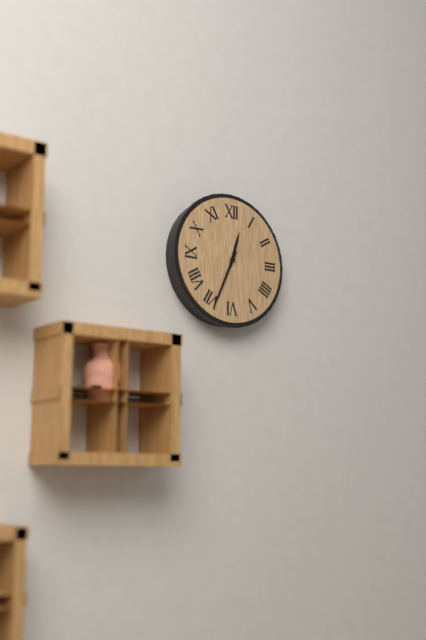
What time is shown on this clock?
12:34
